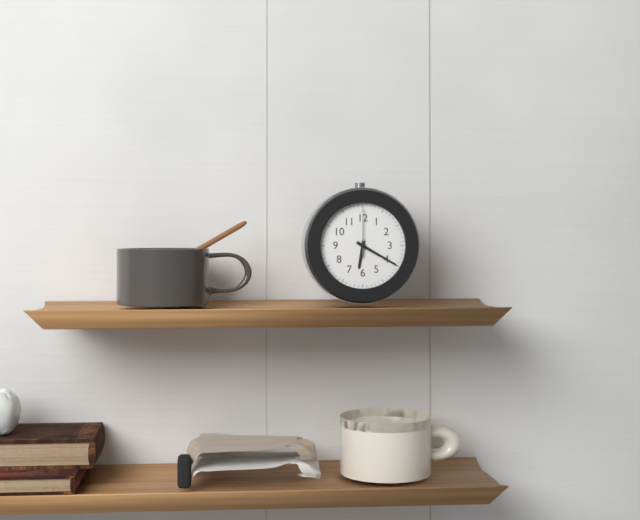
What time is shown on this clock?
6:20
